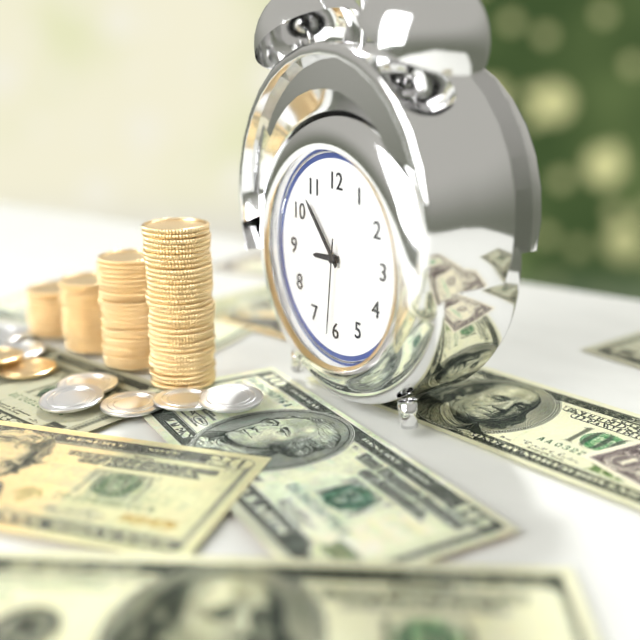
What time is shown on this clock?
8:53:31
